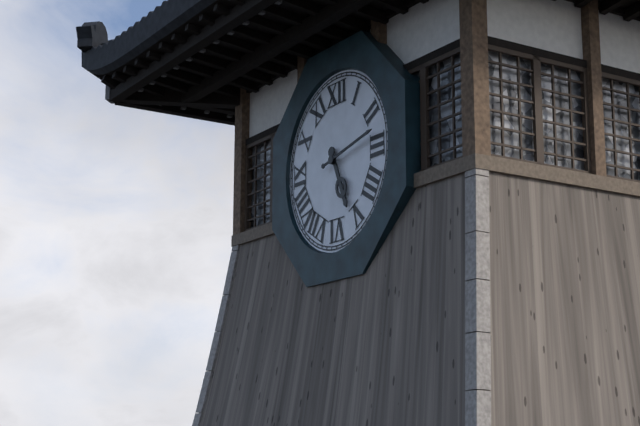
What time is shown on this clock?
5:13
